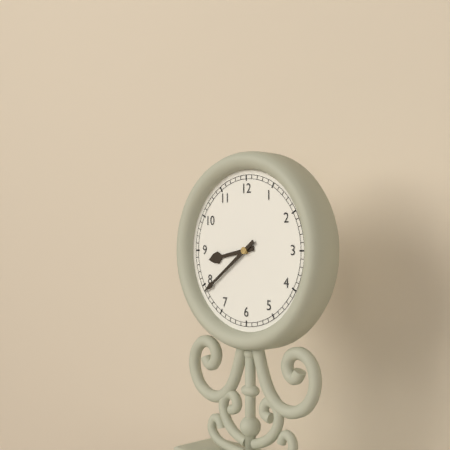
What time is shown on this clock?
8:39
